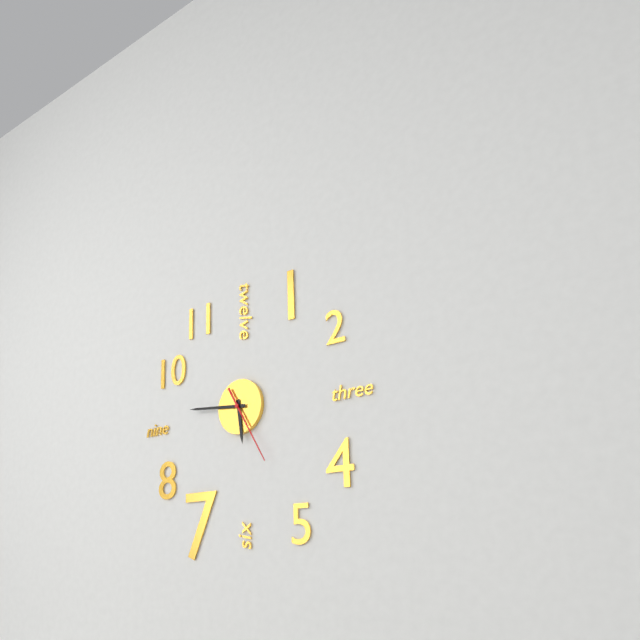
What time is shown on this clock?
5:46:25
